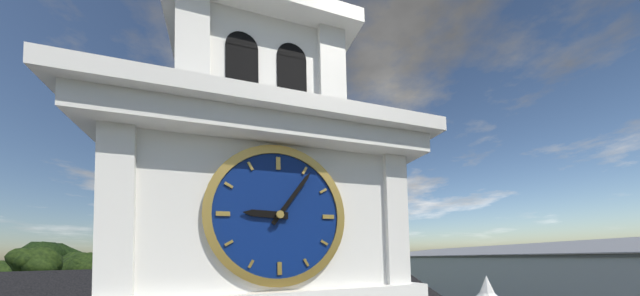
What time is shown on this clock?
9:06
